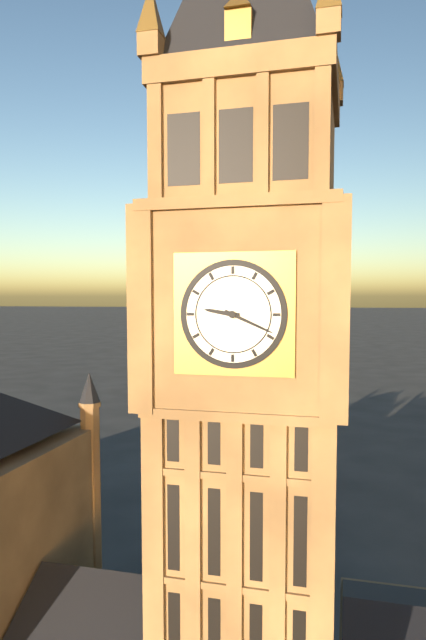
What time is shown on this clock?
9:19
